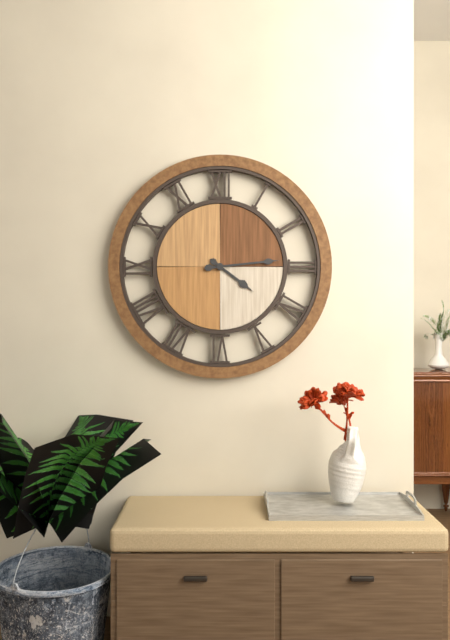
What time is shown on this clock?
4:14
